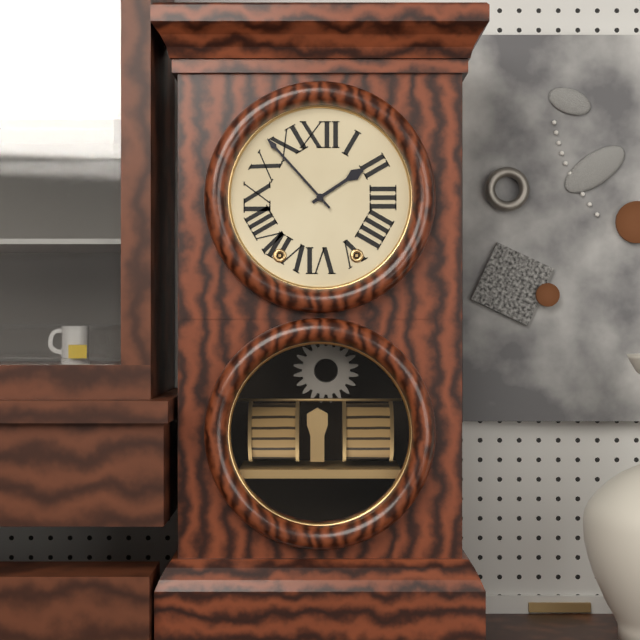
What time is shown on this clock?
1:53
